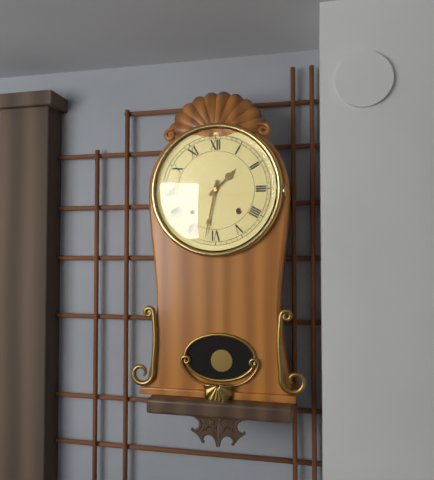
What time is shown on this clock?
1:32
